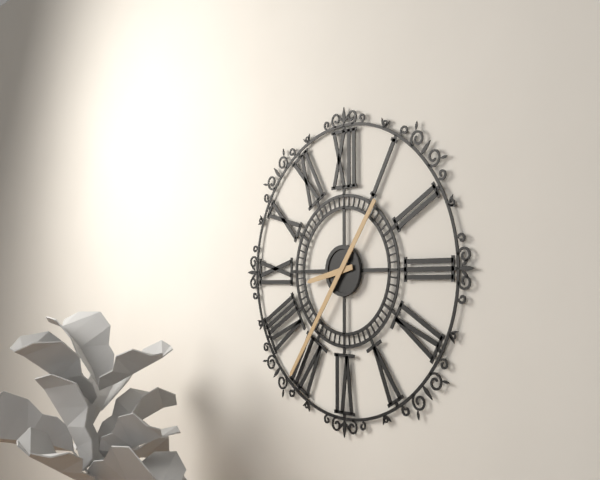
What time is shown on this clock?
8:36
